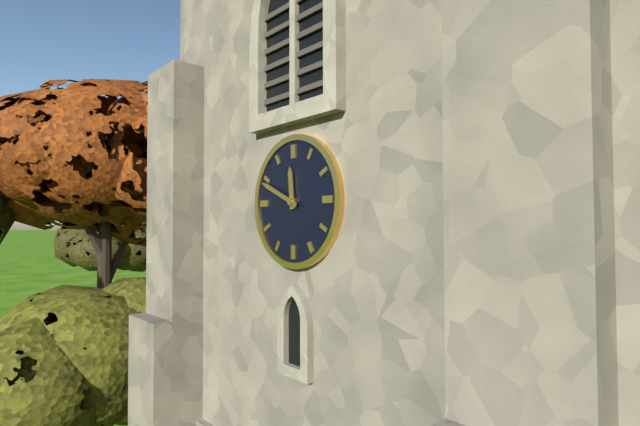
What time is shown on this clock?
11:49
